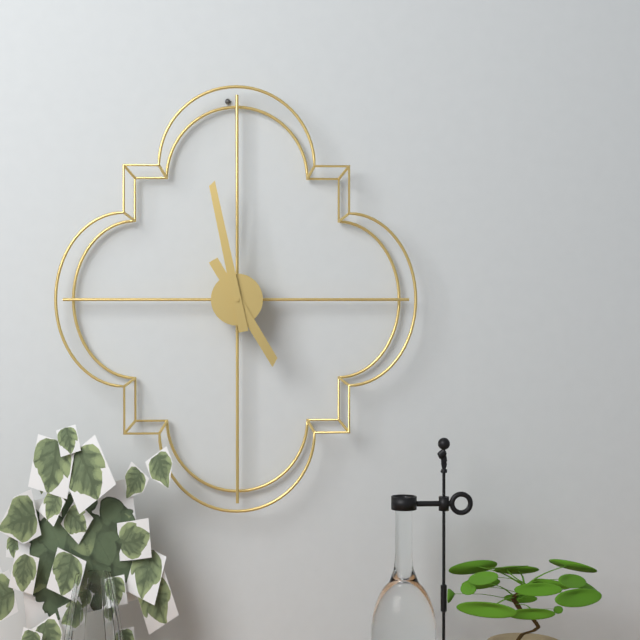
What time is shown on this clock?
4:58
